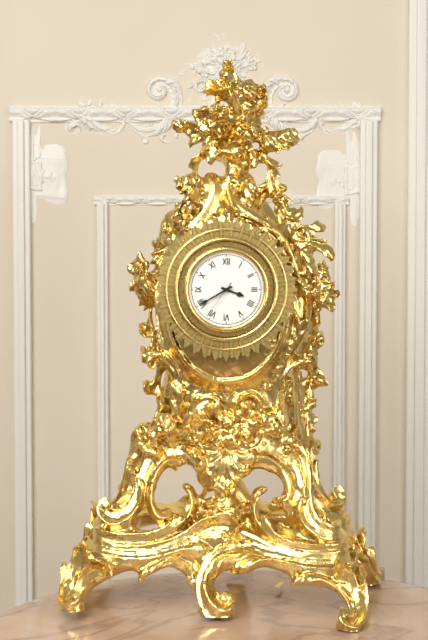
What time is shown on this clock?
3:40
